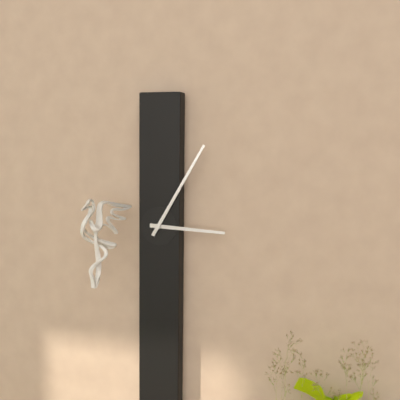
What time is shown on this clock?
3:05
